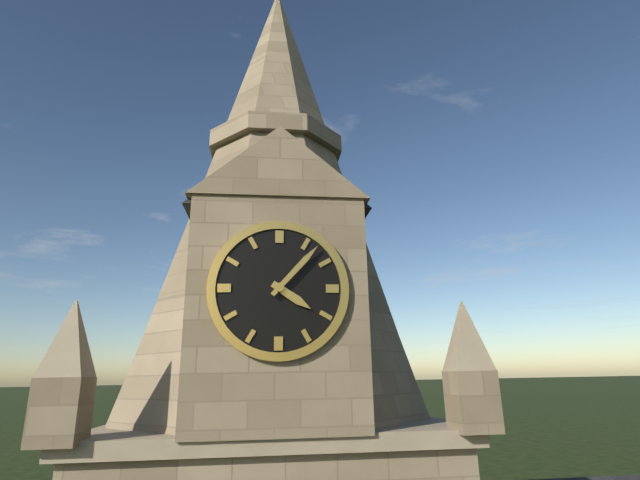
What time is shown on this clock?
4:07
